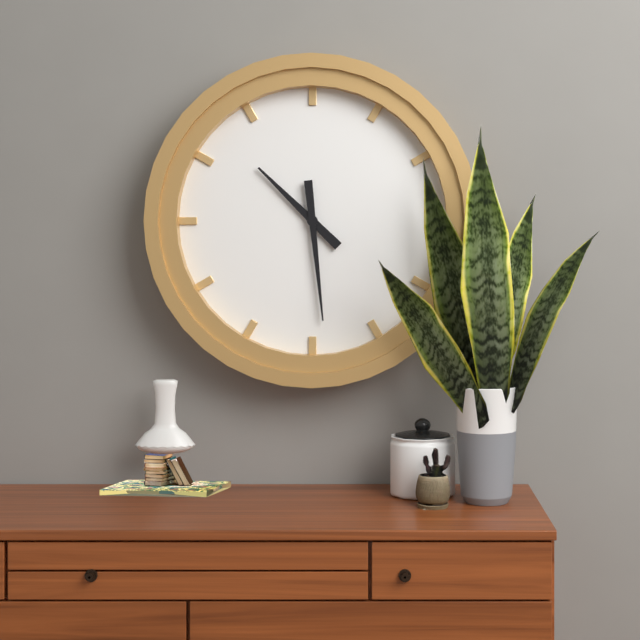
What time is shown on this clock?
10:29
